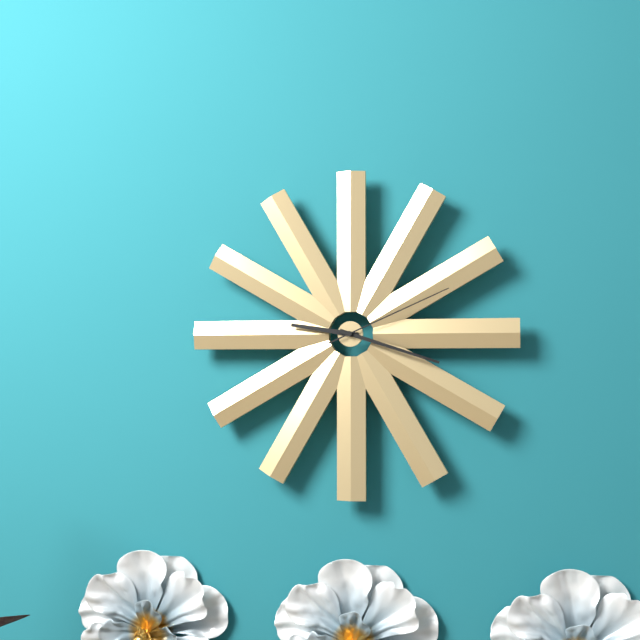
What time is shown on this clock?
9:18:11
